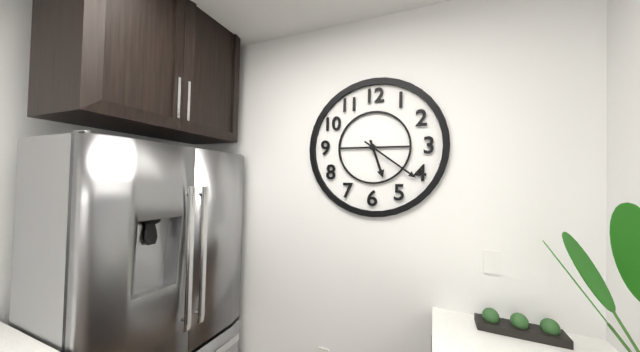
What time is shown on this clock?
5:21
